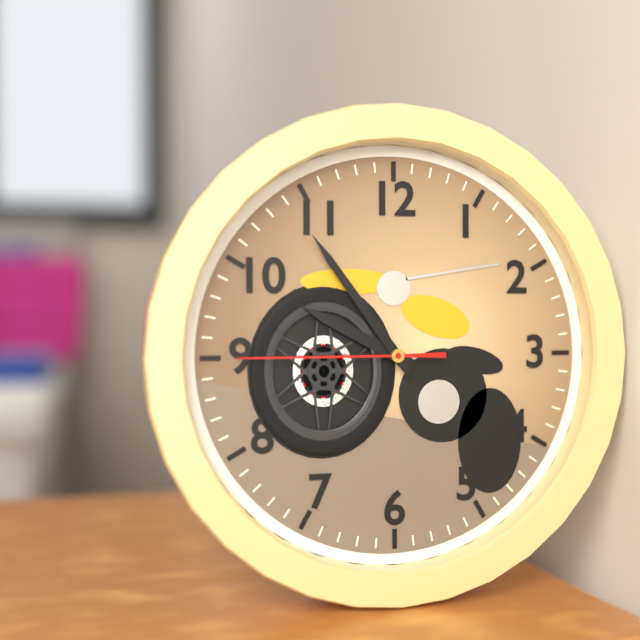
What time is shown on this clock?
9:54:45
